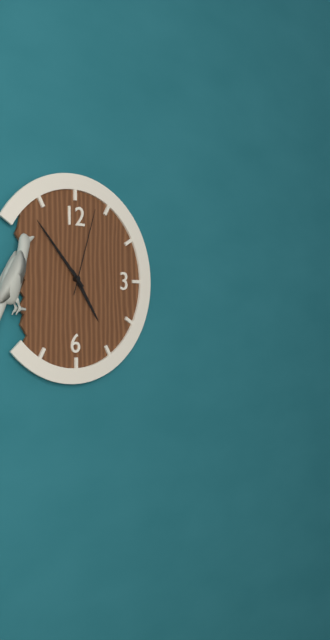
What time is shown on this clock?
4:53:03
